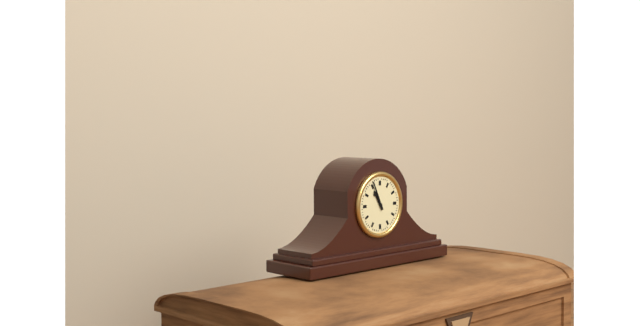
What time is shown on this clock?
10:56
